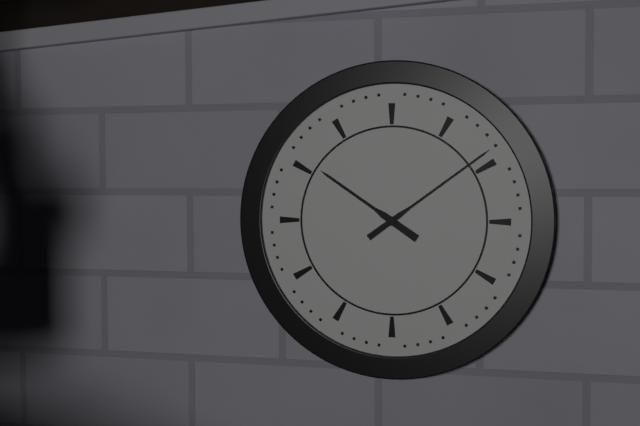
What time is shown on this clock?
10:09
